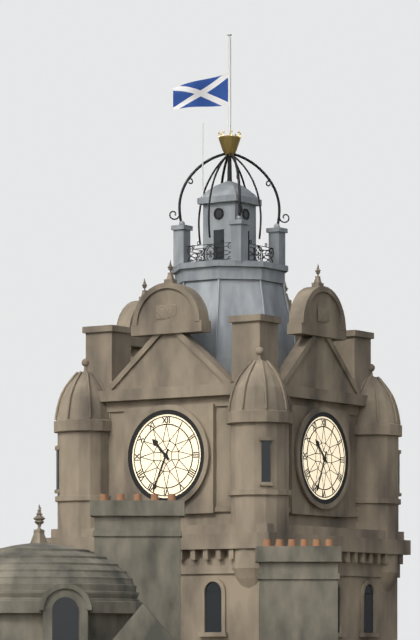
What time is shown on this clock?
10:34
